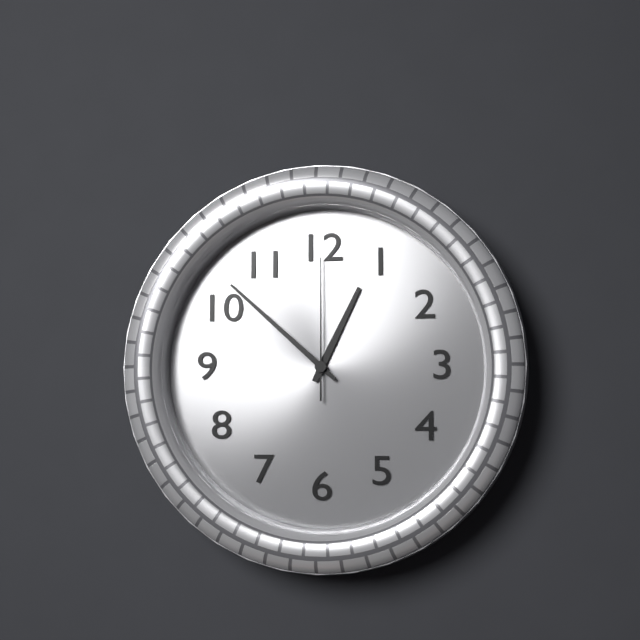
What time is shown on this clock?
12:52:00
